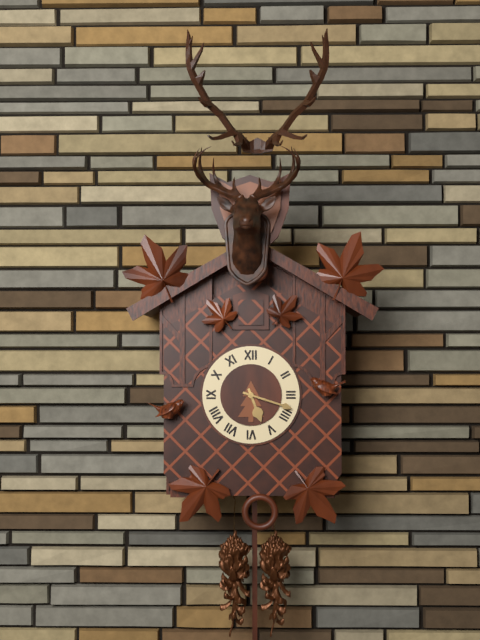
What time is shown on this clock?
5:18
